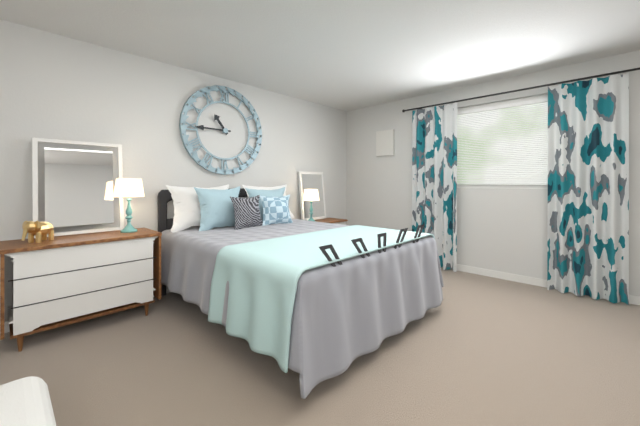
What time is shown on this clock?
10:45
